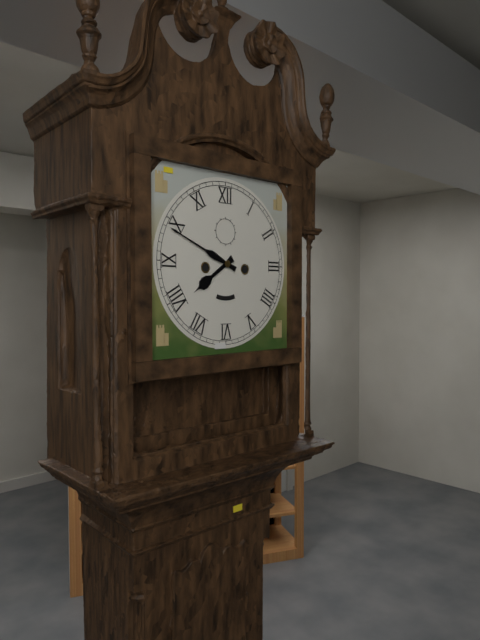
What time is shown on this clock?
7:49
